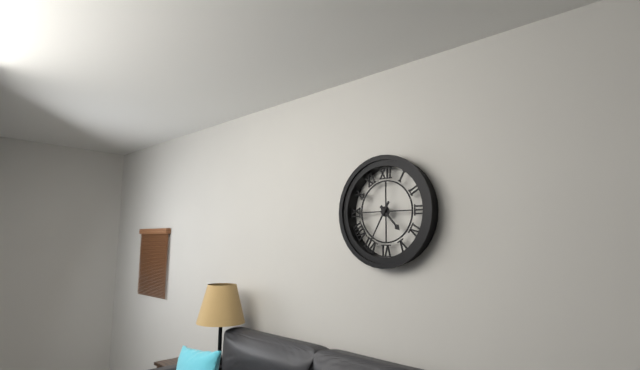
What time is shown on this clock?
4:35
